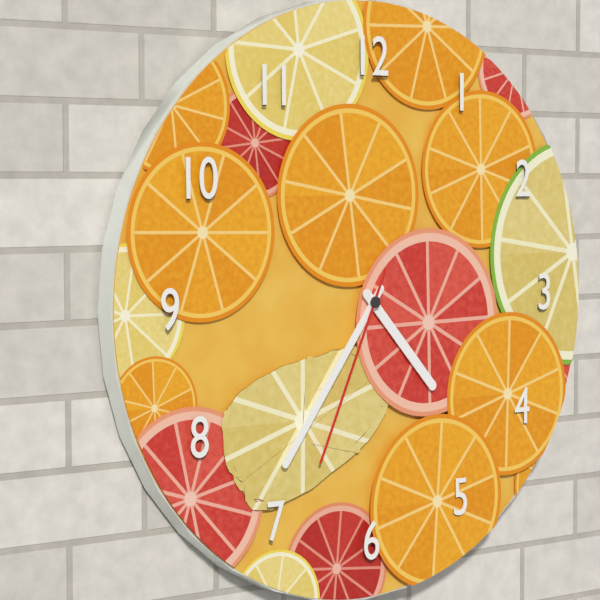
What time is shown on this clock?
4:36:34
